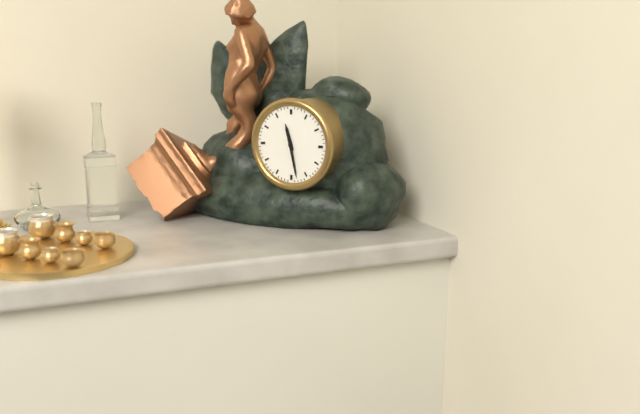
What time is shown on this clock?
11:28
